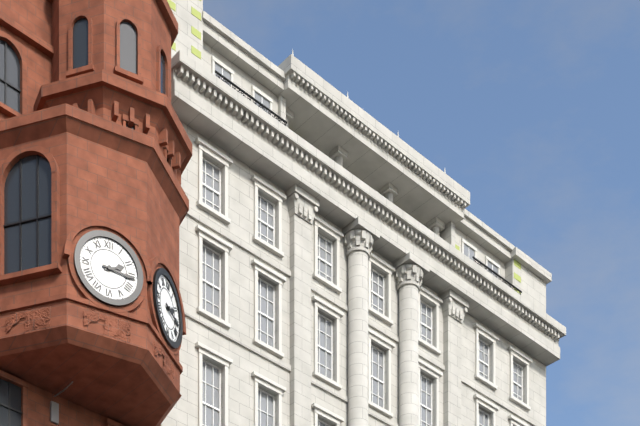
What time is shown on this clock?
2:16
